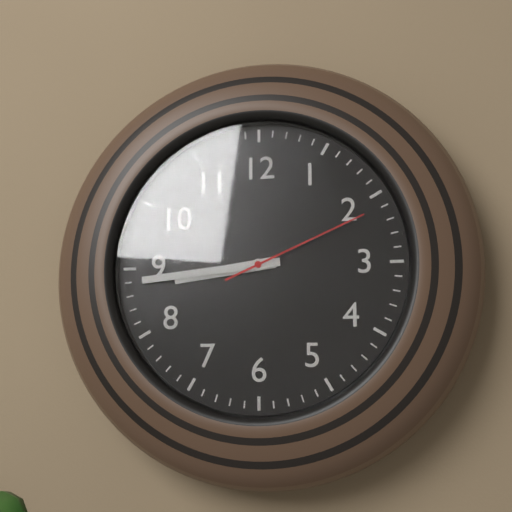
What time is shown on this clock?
8:44:11
